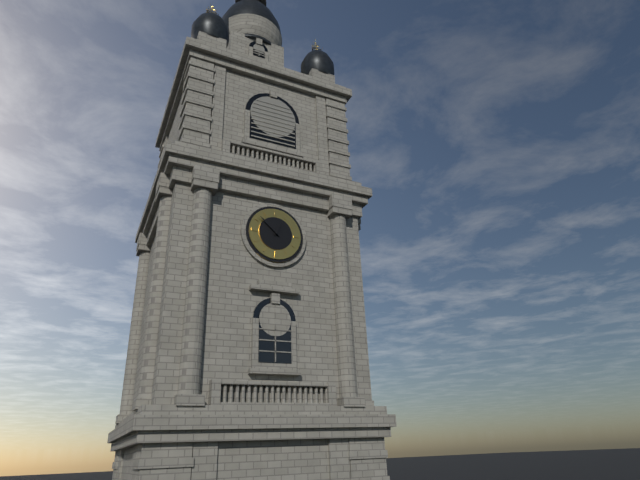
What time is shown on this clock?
12:52
